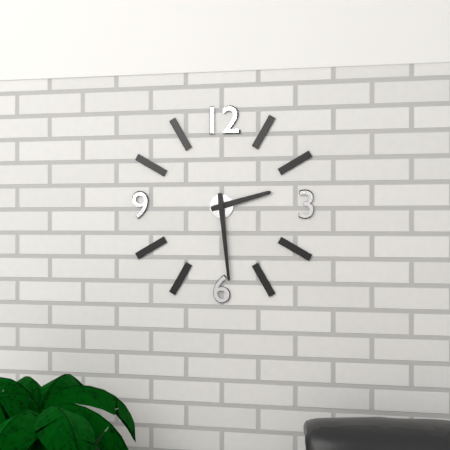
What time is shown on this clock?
2:29
